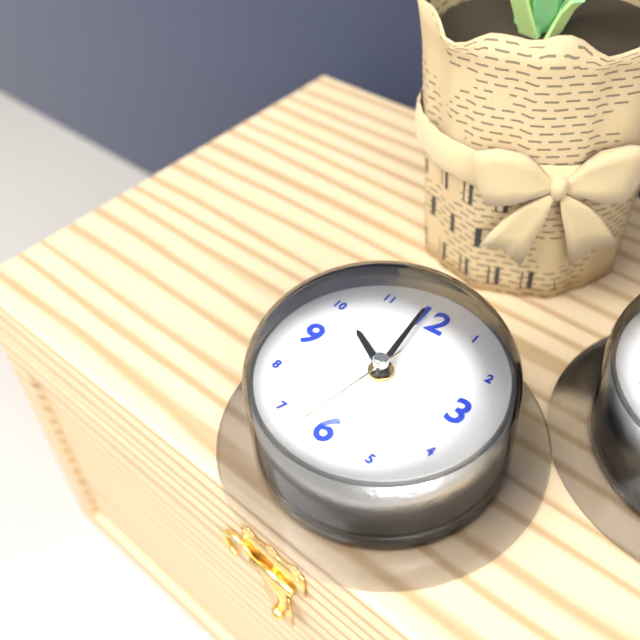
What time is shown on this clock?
9:59:32
